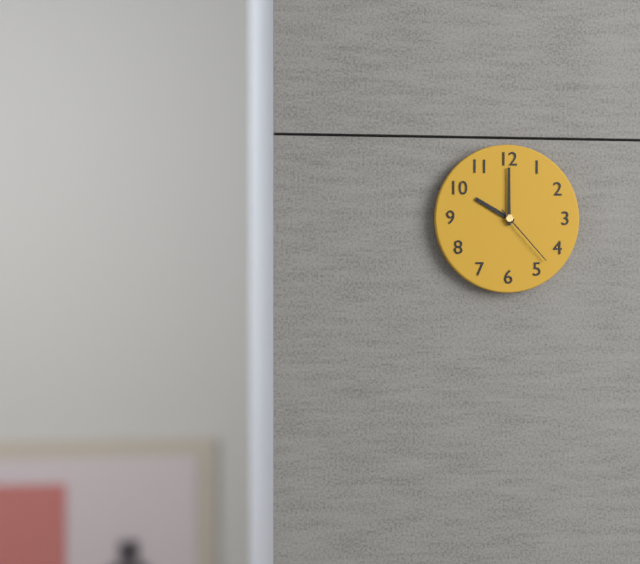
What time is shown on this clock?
10:00:23
